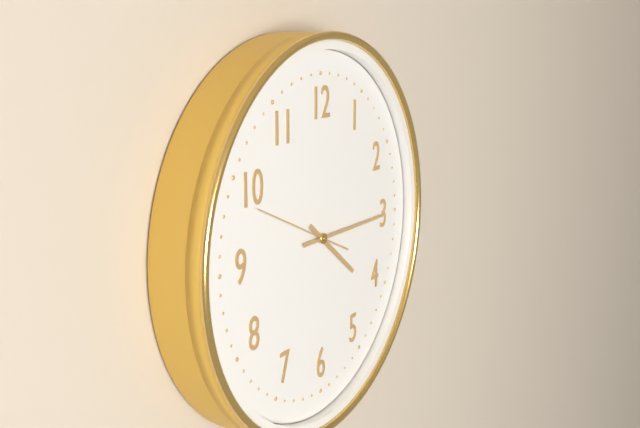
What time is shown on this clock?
4:15:49
